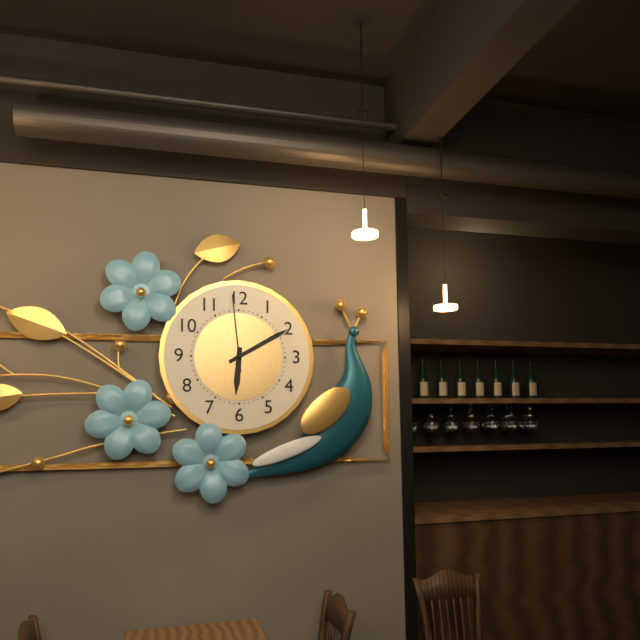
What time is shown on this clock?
6:10:59
